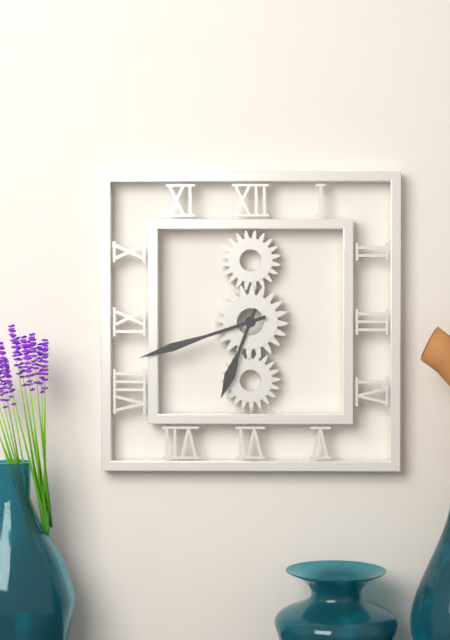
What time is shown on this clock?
6:42
